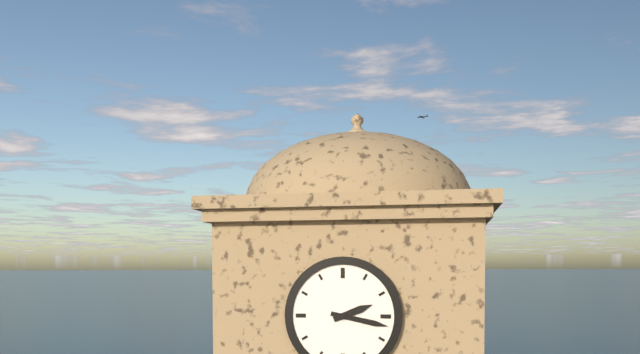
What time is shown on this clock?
2:17
